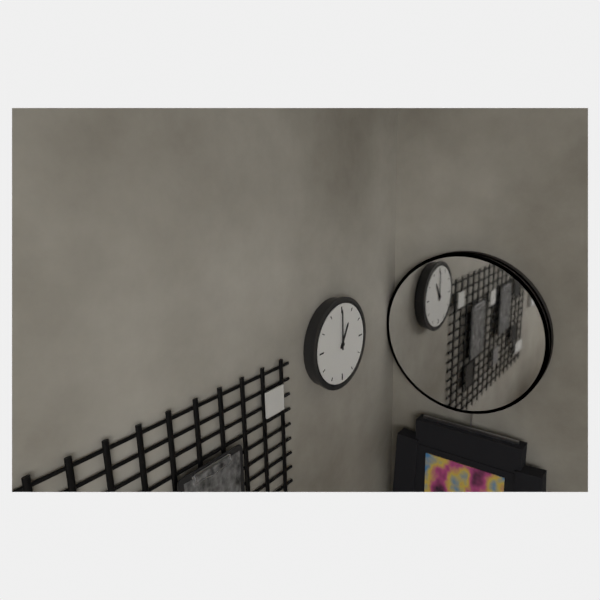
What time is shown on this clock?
1:00
